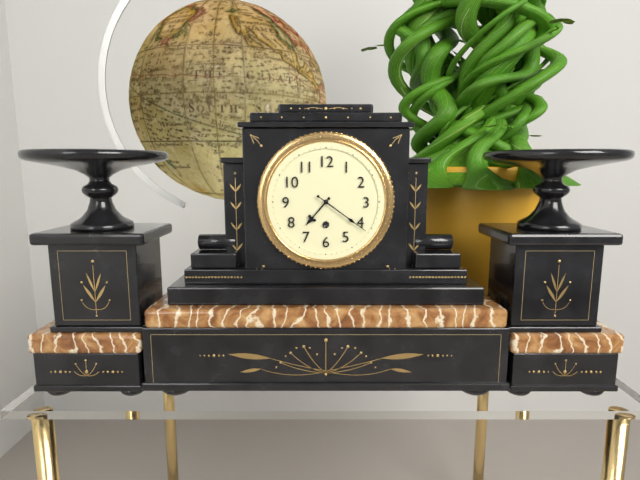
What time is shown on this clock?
7:21
